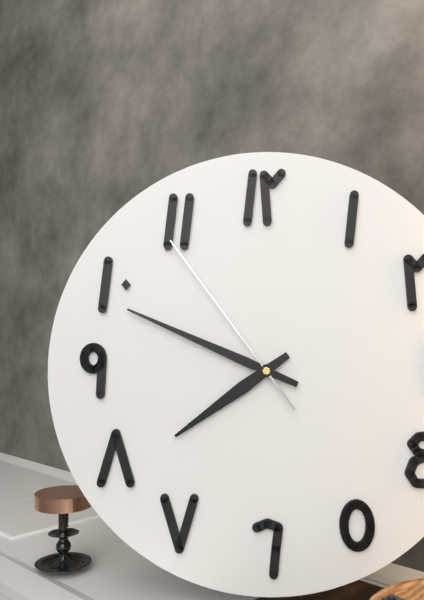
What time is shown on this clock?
7:49:54
